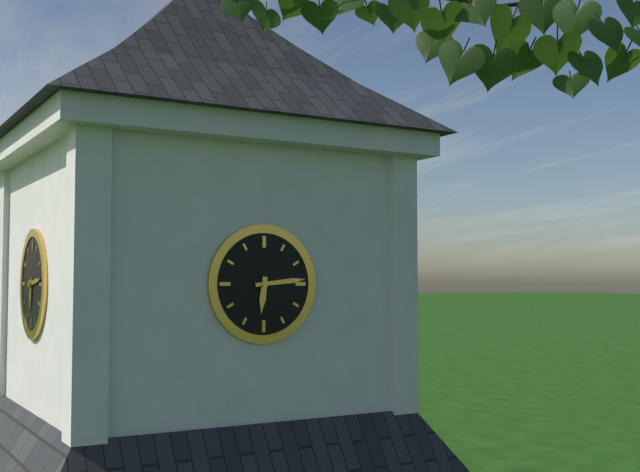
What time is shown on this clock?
6:14
